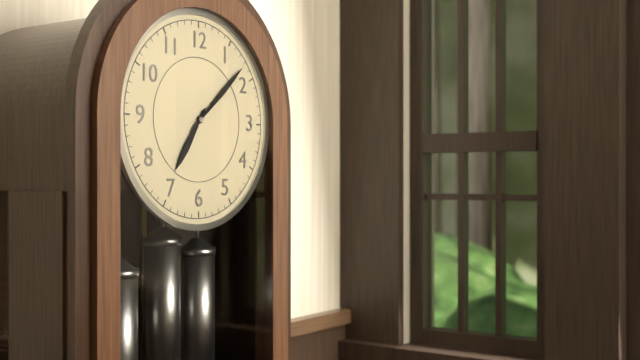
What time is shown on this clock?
7:08
